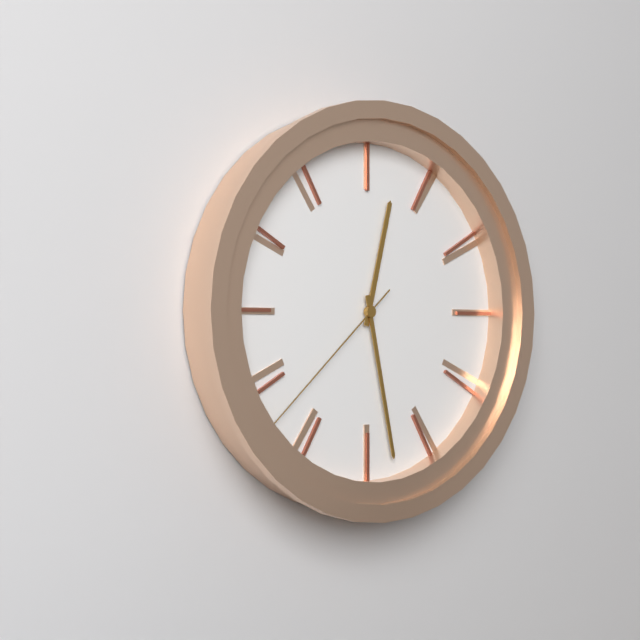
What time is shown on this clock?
12:28:38
